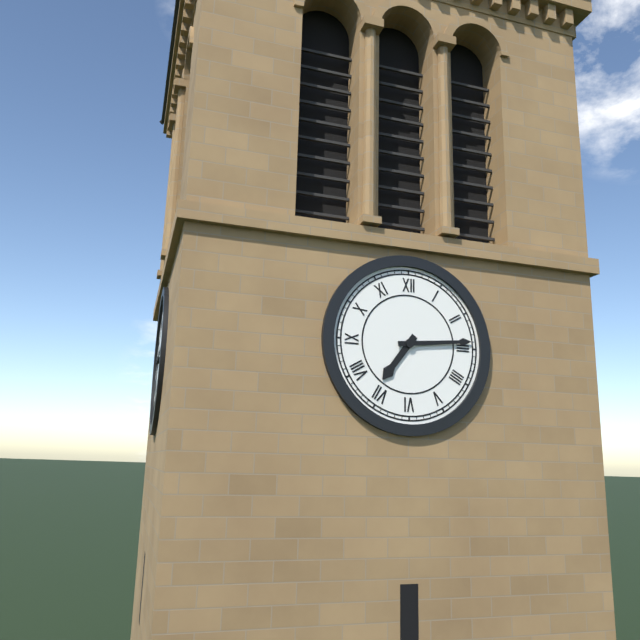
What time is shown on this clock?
7:14
